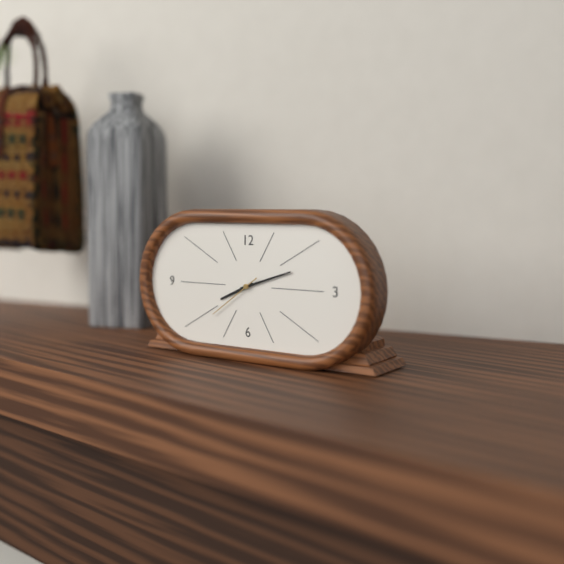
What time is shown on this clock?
8:12:39
